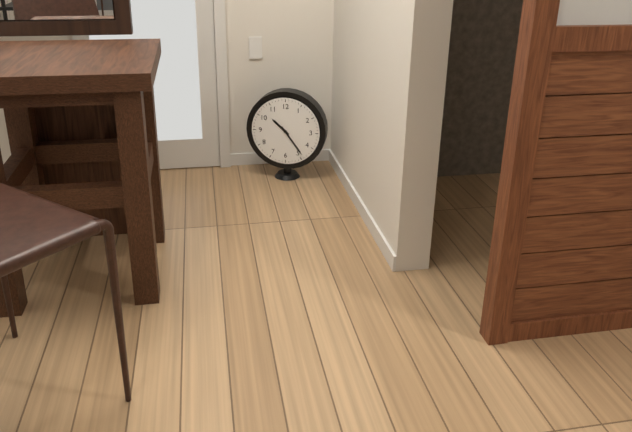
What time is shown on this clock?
10:24
